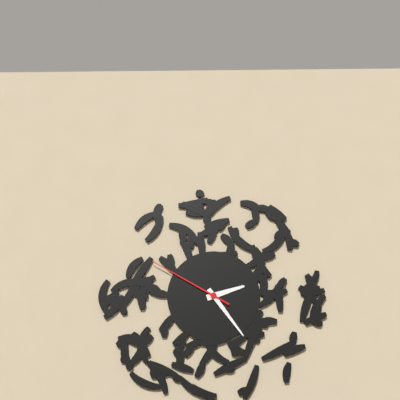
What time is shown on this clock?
2:24:50
